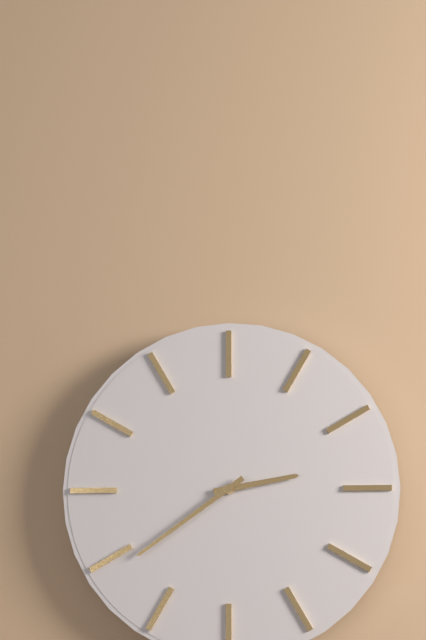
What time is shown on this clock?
2:39
